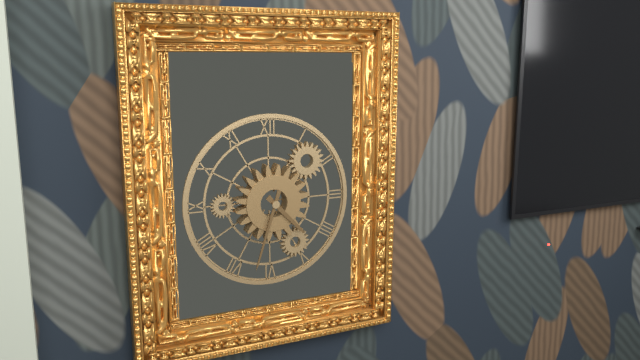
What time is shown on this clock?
4:33
